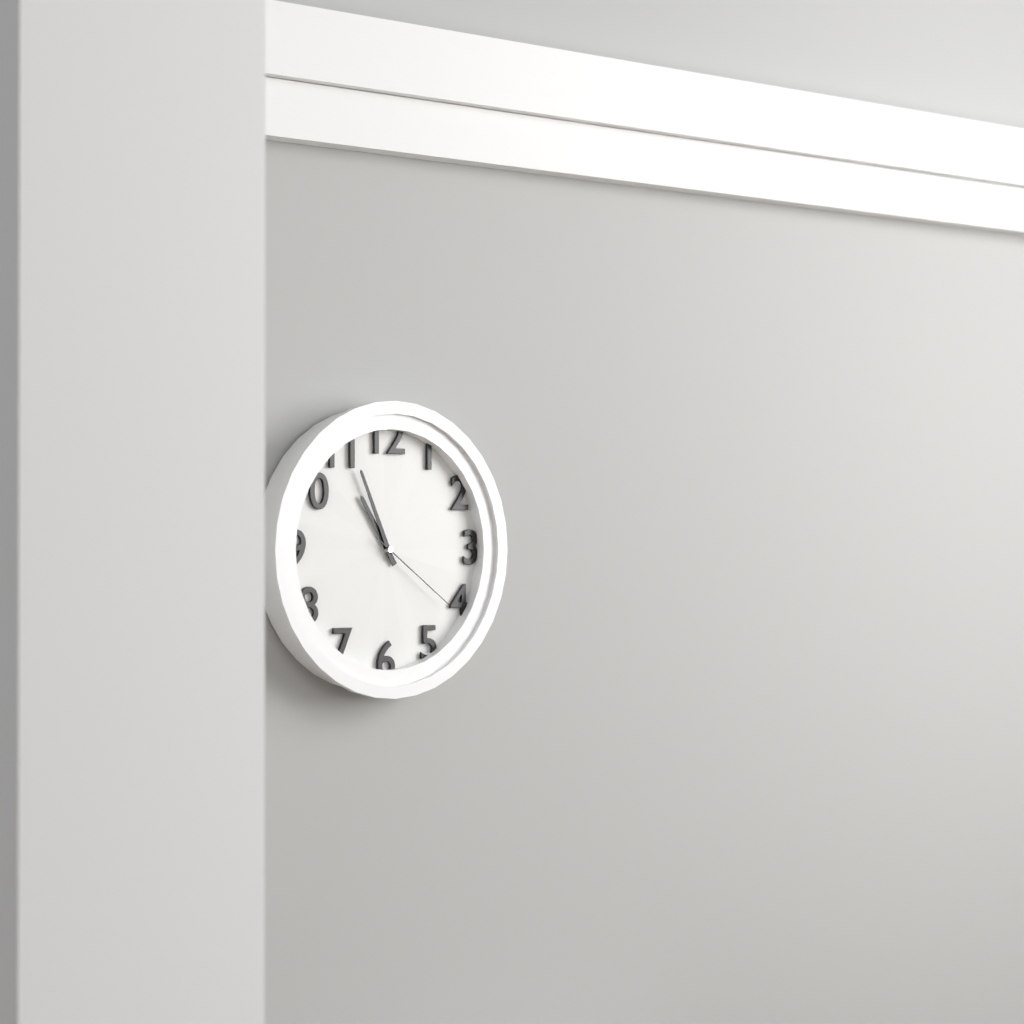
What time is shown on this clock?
10:56:21
